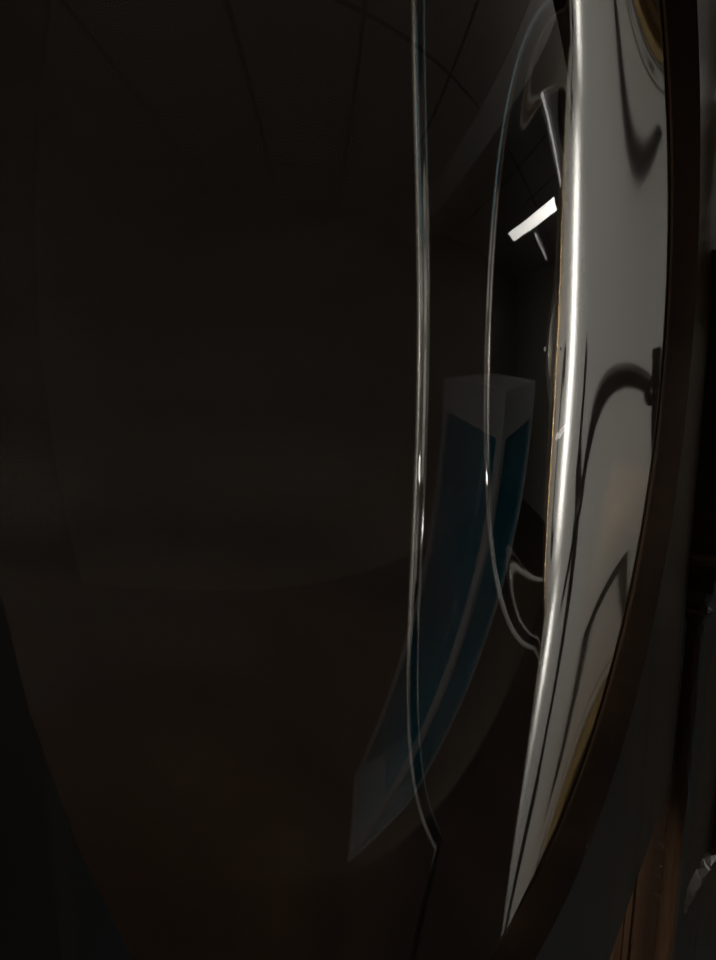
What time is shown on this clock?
5:49
